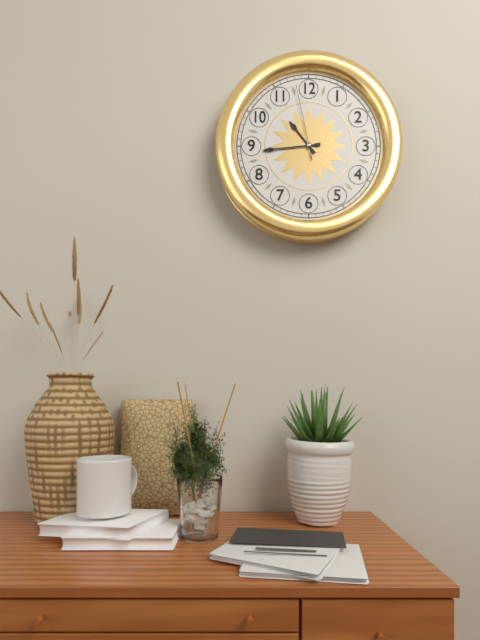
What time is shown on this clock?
10:44:58
